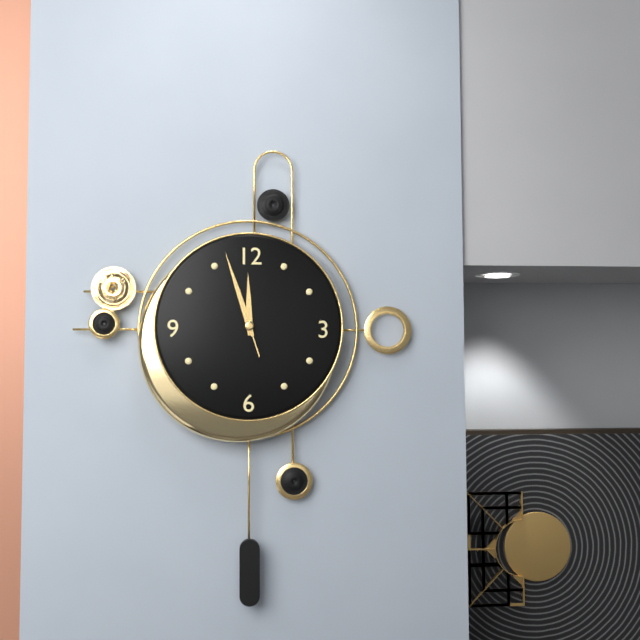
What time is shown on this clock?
11:57:57
